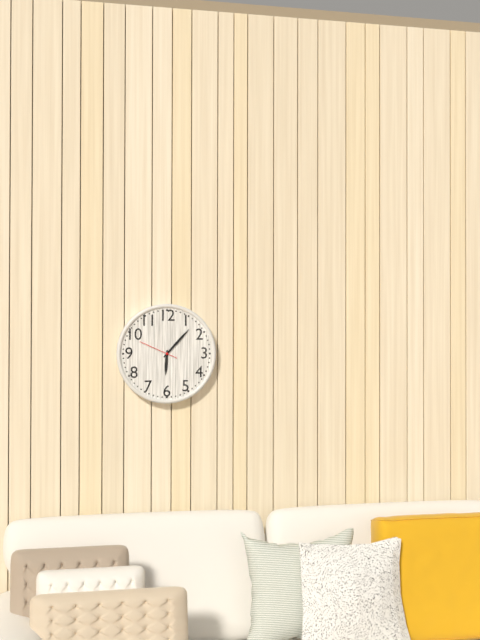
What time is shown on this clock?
6:07
